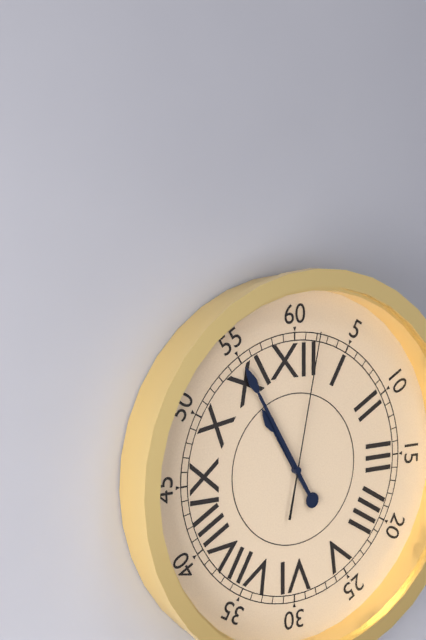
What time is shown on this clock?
10:55:02
